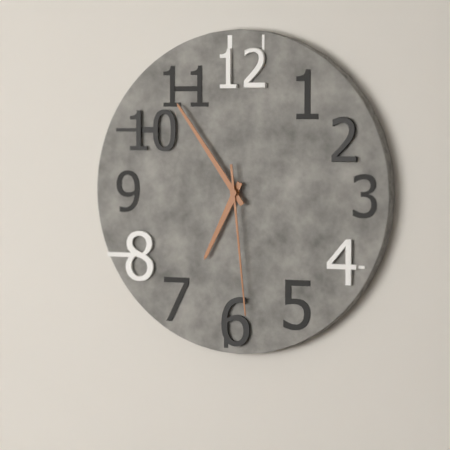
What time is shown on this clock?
6:54:29
